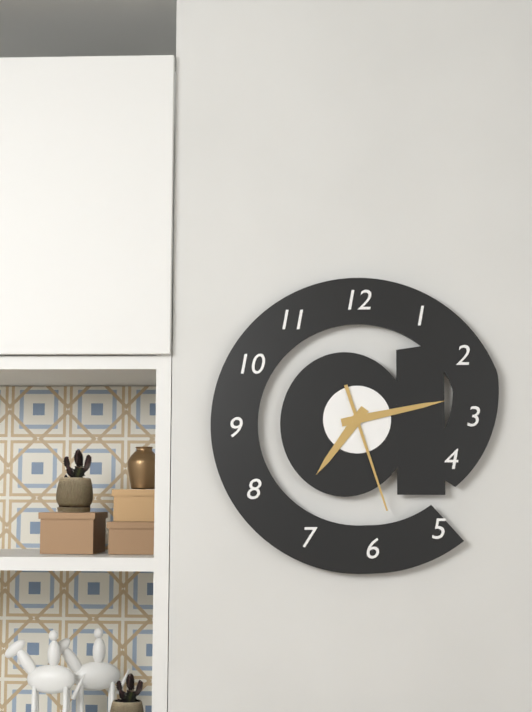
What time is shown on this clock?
7:13:27
